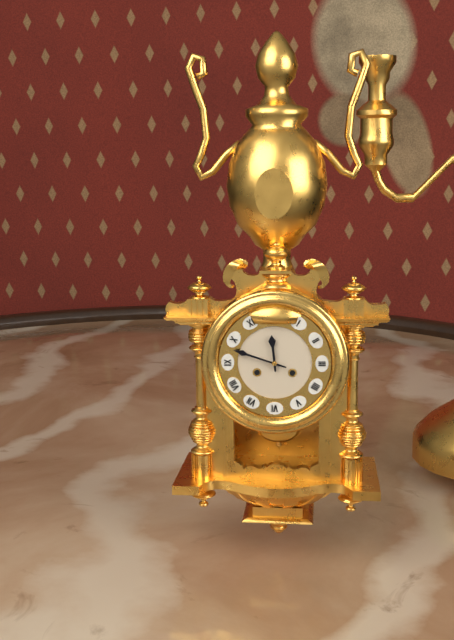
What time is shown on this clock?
11:48
